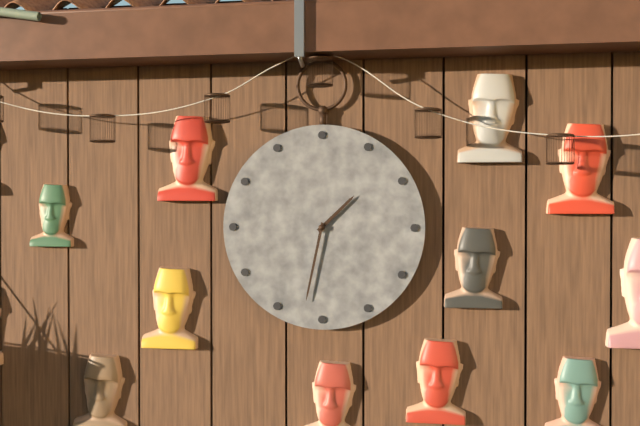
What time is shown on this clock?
1:32
